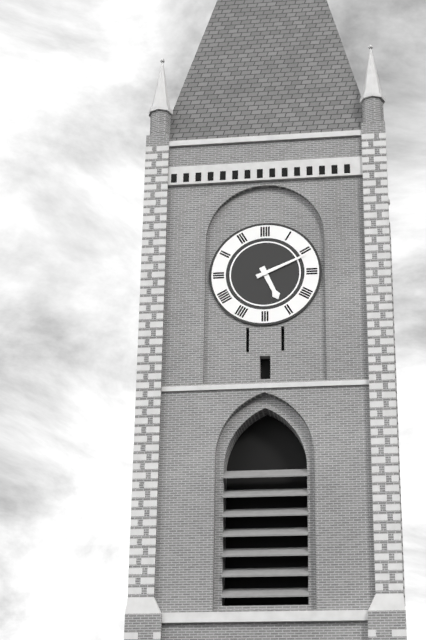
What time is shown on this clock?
5:11
